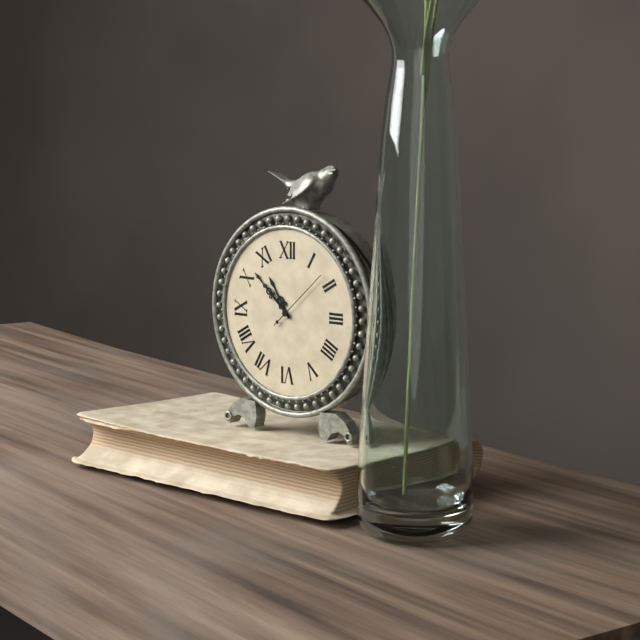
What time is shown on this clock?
10:52:08
